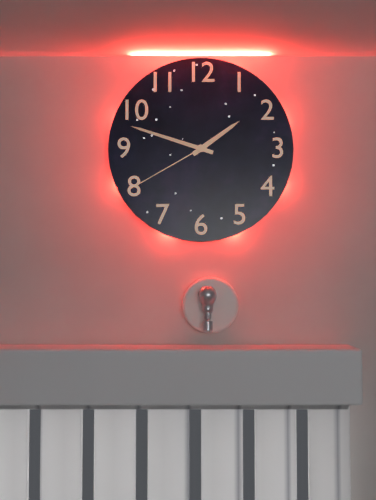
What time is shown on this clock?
1:48:40
